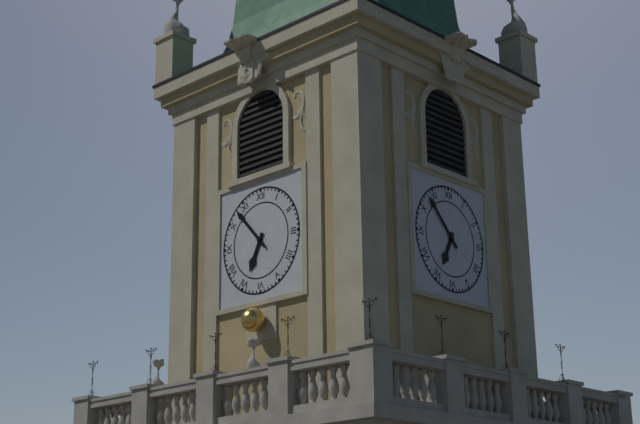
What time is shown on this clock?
6:53
